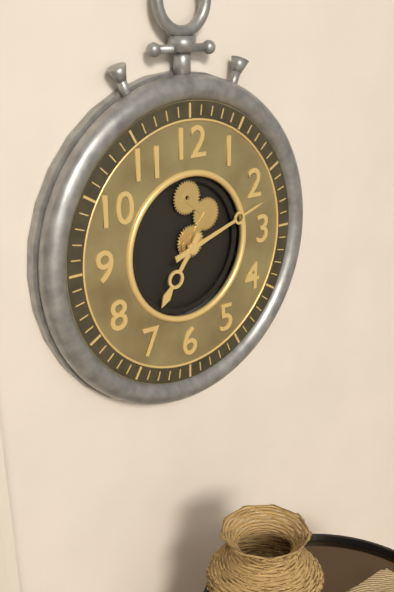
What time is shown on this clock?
7:12
